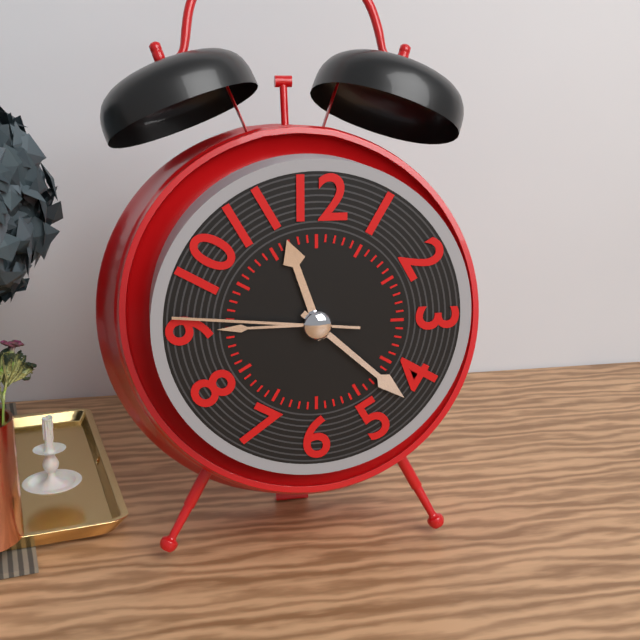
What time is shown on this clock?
11:22:46
